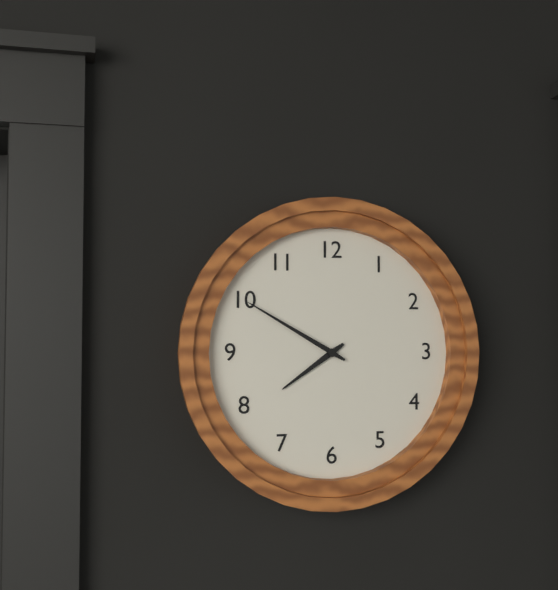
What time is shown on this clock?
7:50
